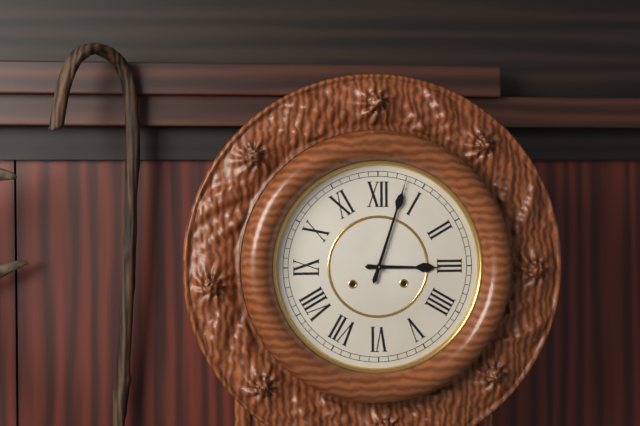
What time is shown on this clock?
3:03
